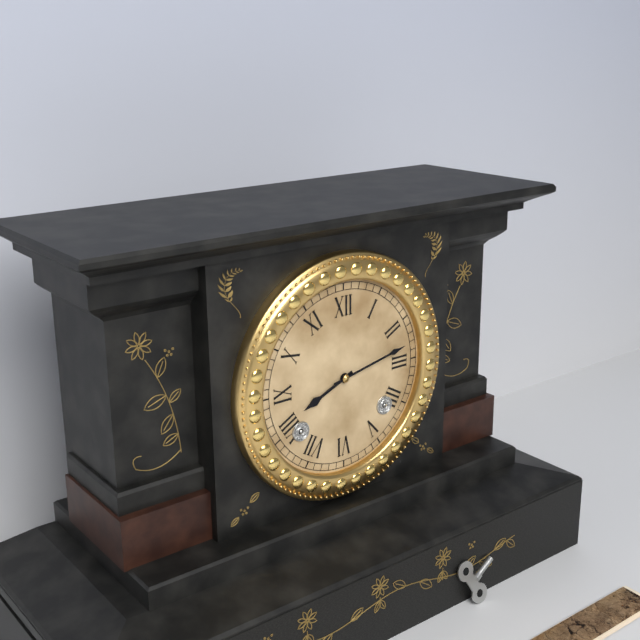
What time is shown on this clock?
8:13
